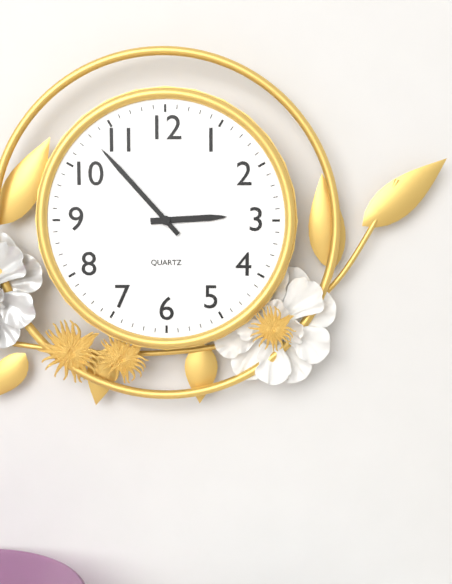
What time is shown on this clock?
2:53
